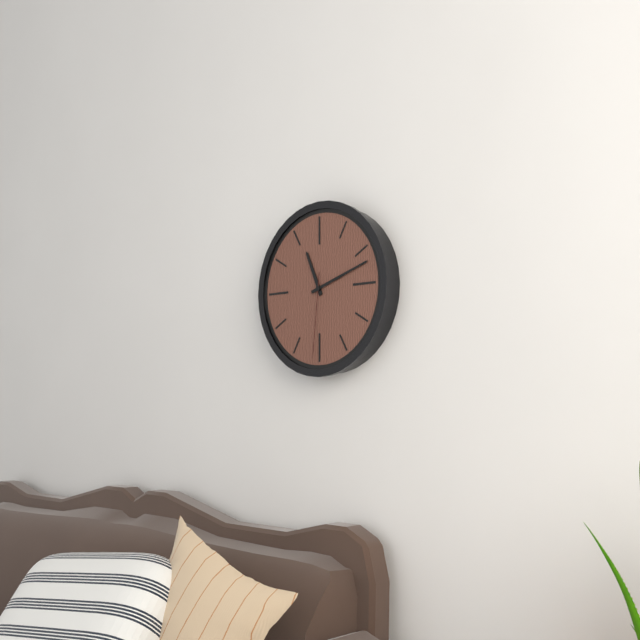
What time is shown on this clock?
11:12:31
